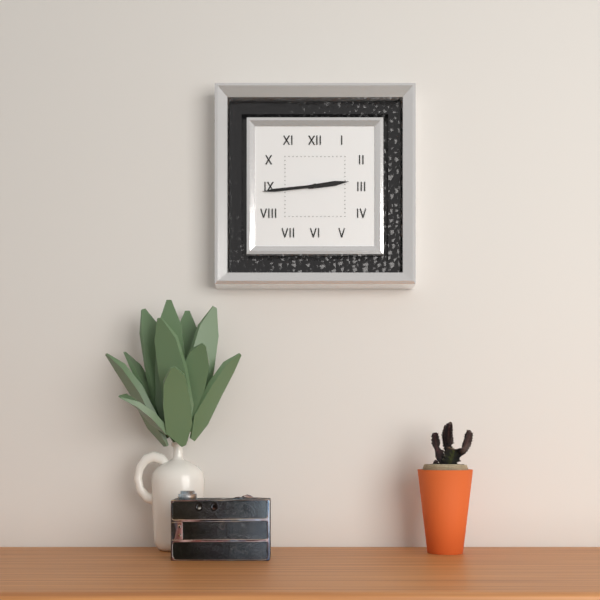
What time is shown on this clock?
2:44
